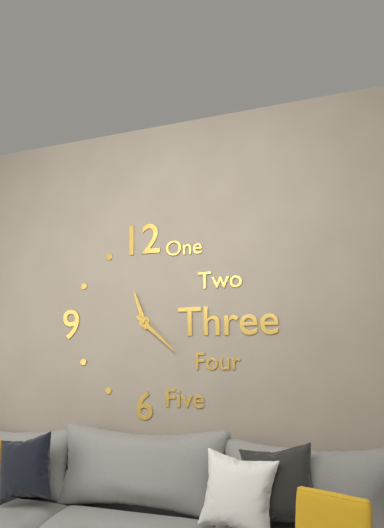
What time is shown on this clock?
11:22
